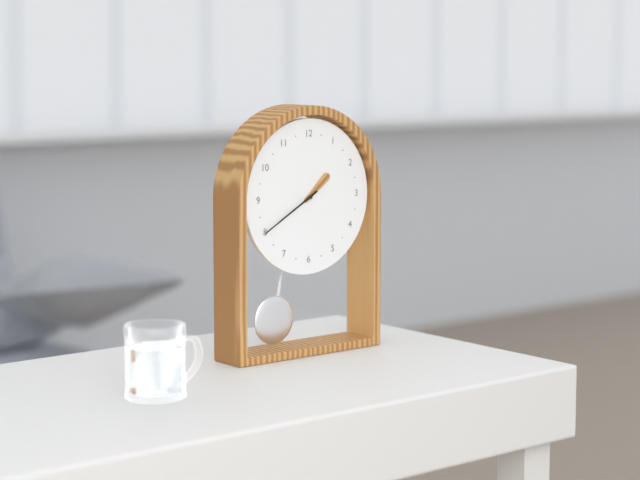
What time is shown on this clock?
1:40
